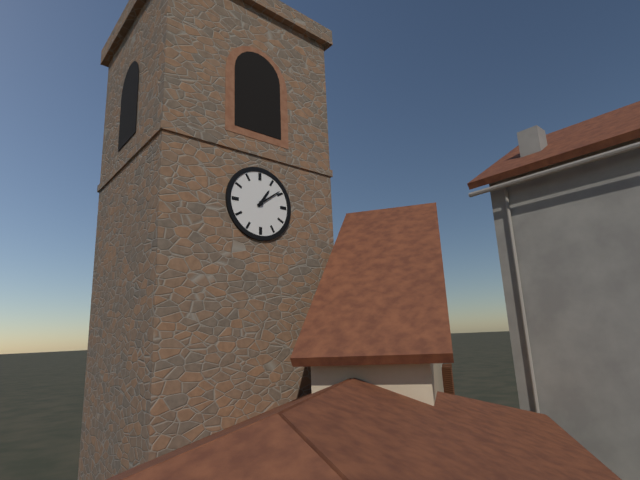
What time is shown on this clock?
1:09
